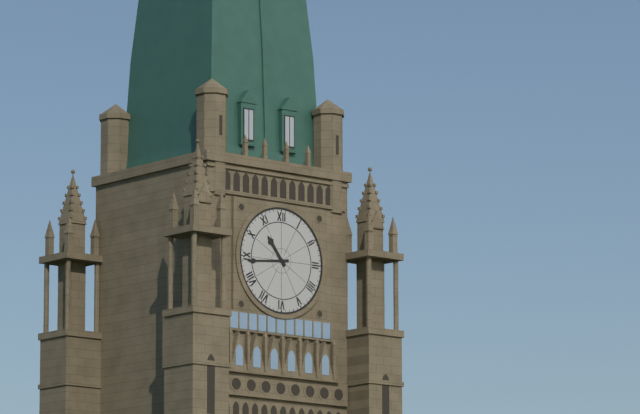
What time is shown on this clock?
10:44
